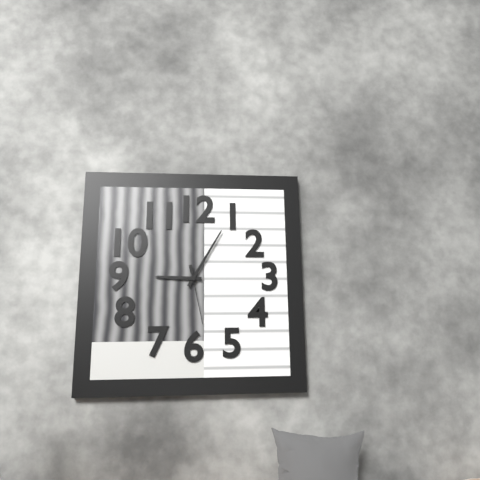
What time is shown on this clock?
9:05:28
